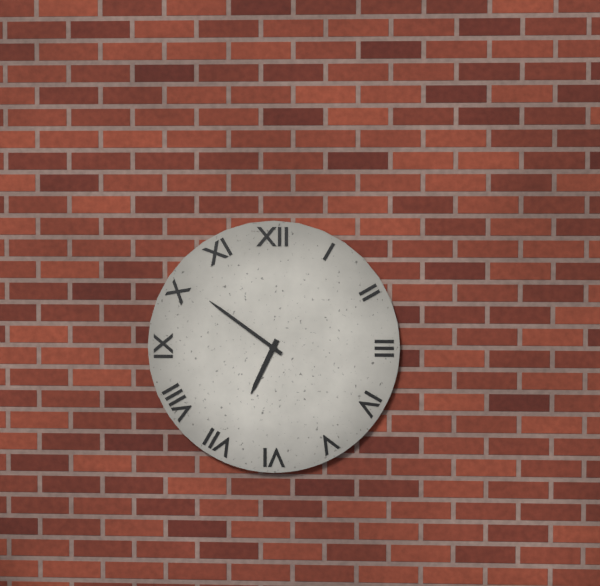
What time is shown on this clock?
6:51
